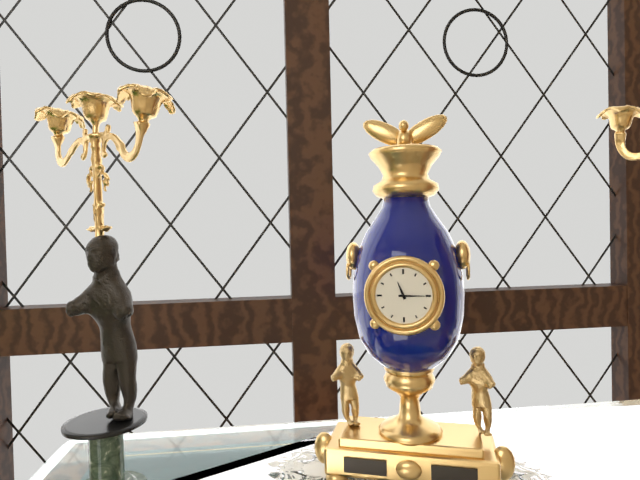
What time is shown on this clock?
11:15
